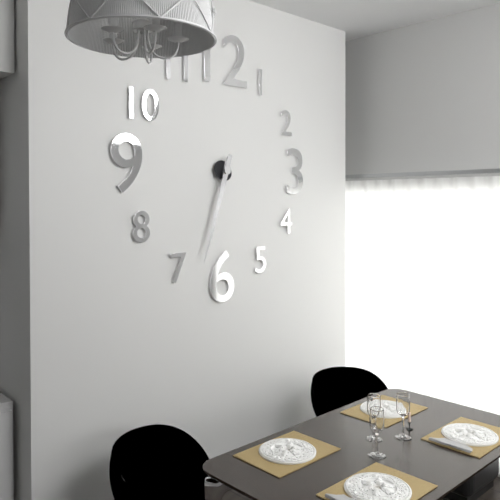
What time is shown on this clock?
6:33
